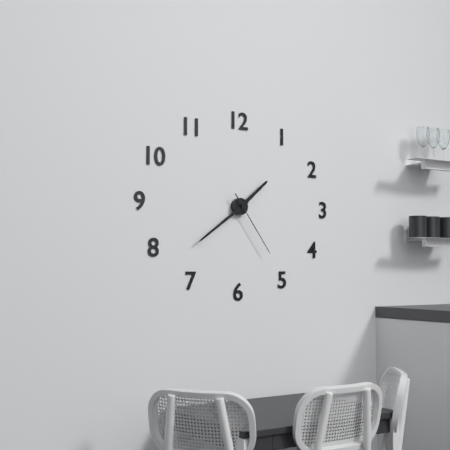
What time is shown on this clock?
1:39:24
